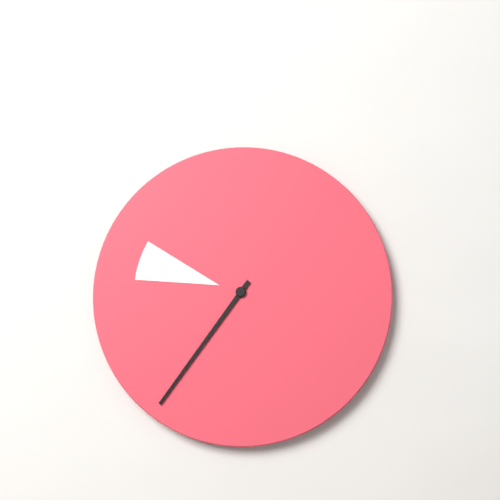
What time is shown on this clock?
9:36
